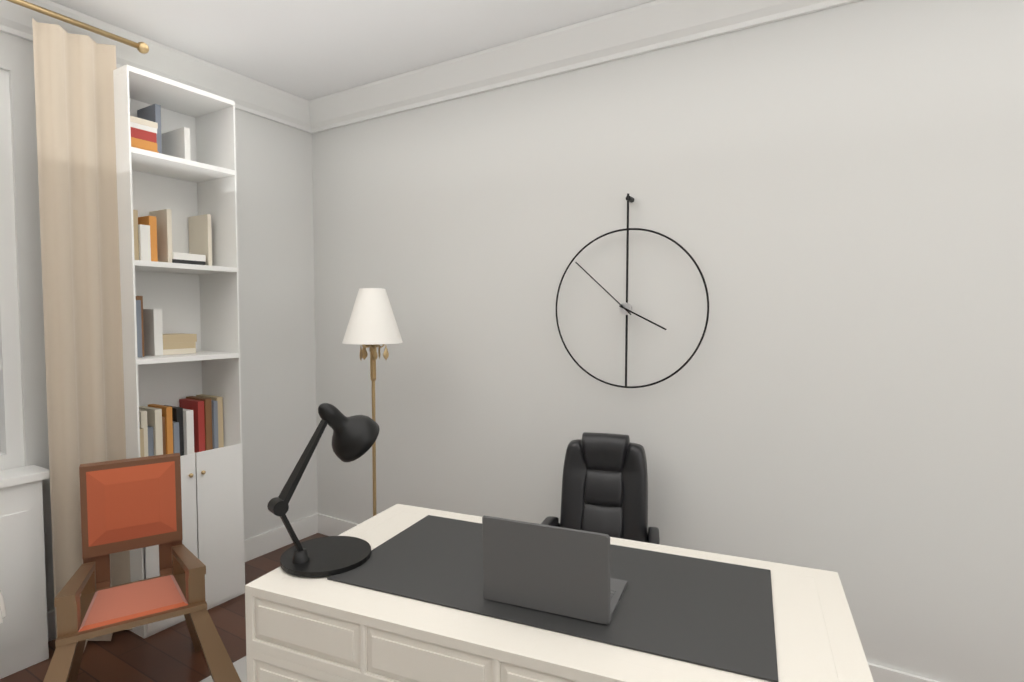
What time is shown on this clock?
3:52
